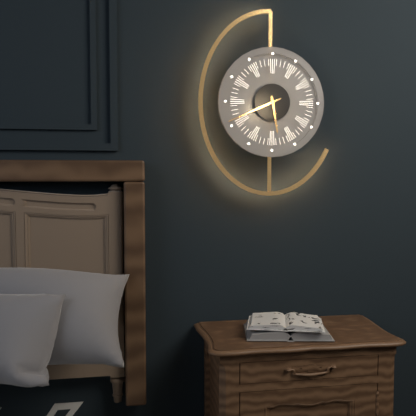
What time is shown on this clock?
5:41
